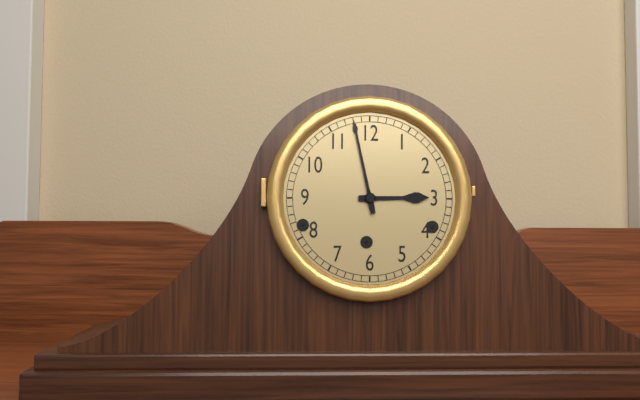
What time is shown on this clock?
2:58
